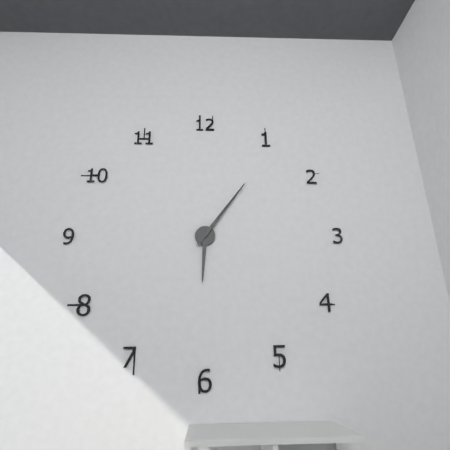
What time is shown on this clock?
6:06
